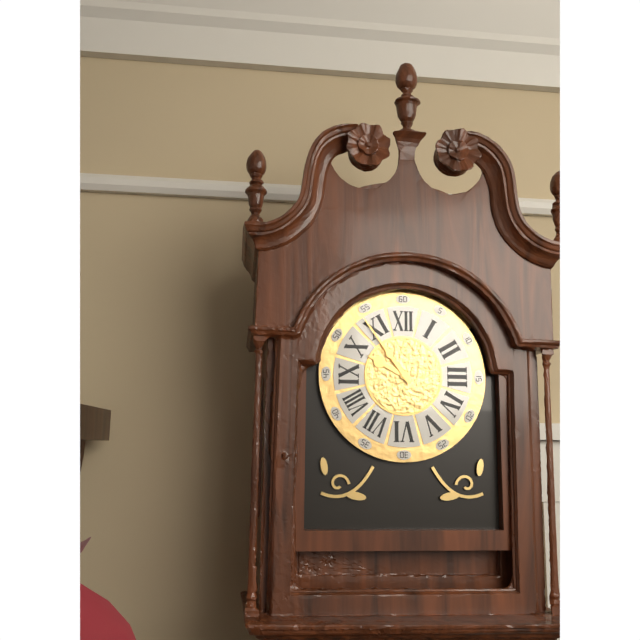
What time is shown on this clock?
9:54
